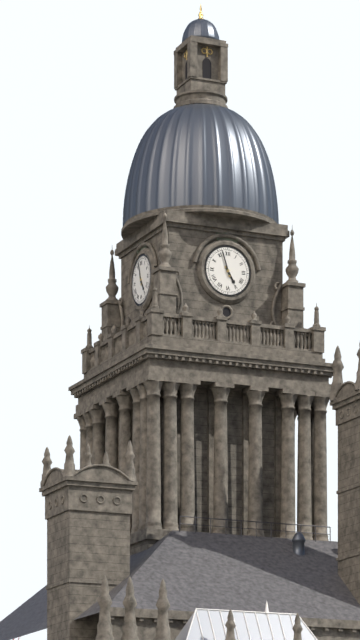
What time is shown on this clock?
4:57
